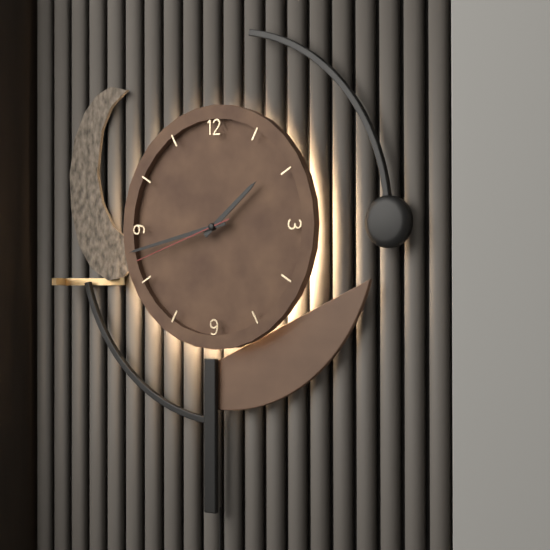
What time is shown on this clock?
1:43:42
